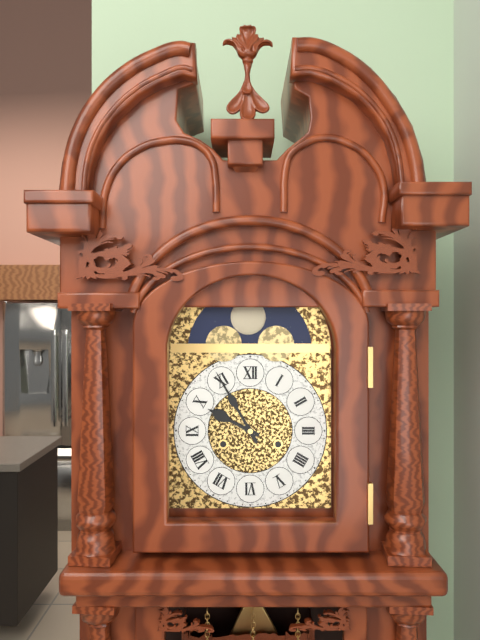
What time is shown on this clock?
9:55
